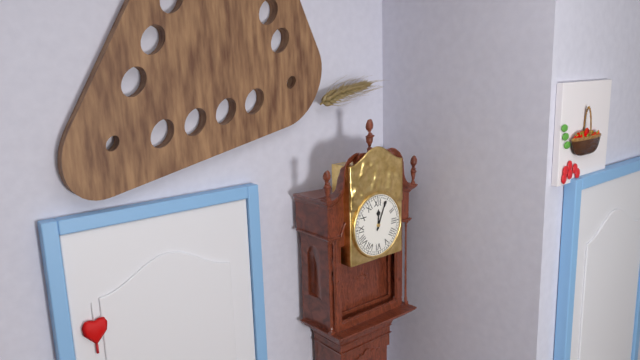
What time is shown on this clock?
12:04
